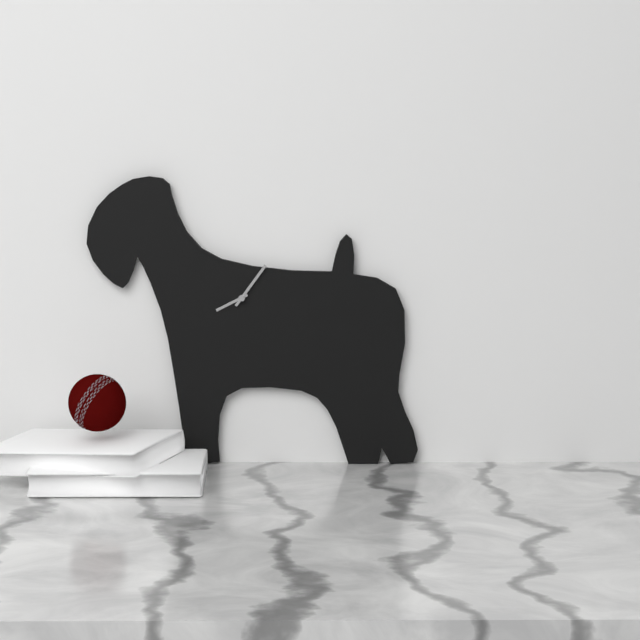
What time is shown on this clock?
8:06
